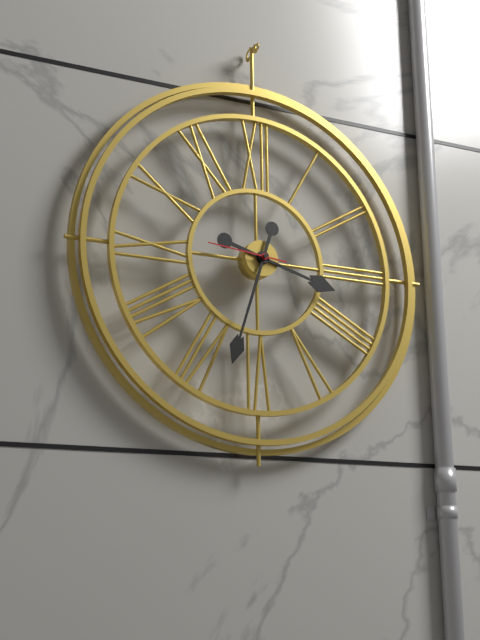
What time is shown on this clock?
3:33:46
